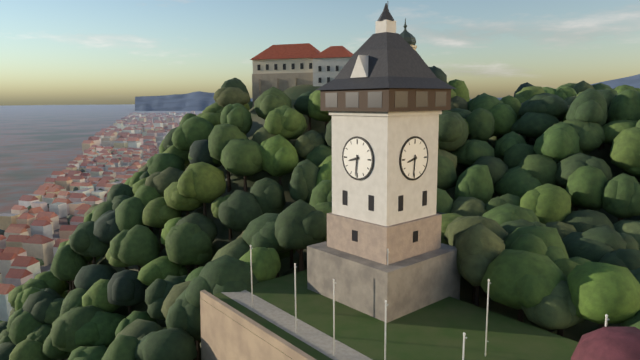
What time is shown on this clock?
8:31
